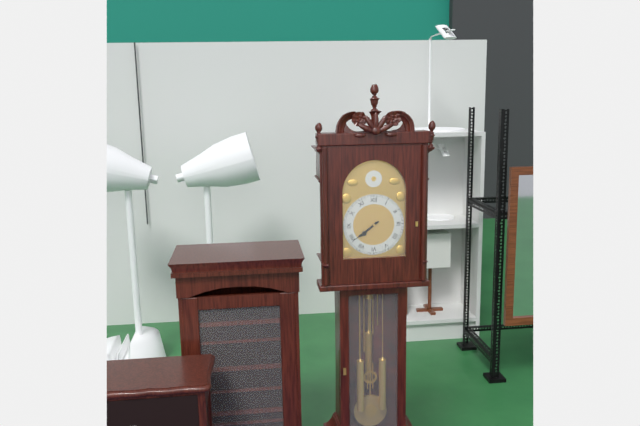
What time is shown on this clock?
7:39
